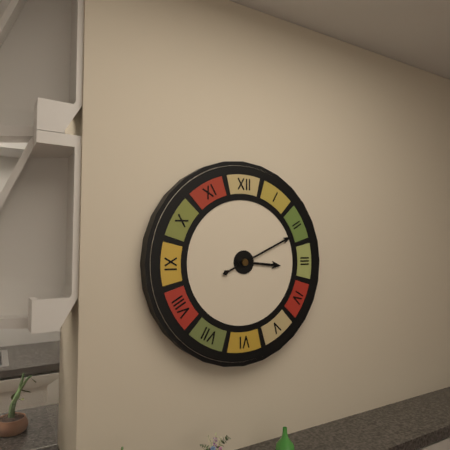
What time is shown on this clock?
3:11
